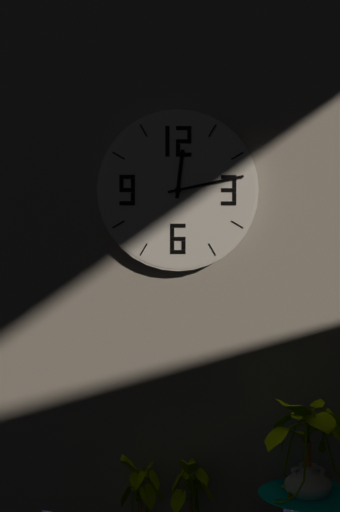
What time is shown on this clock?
12:13
